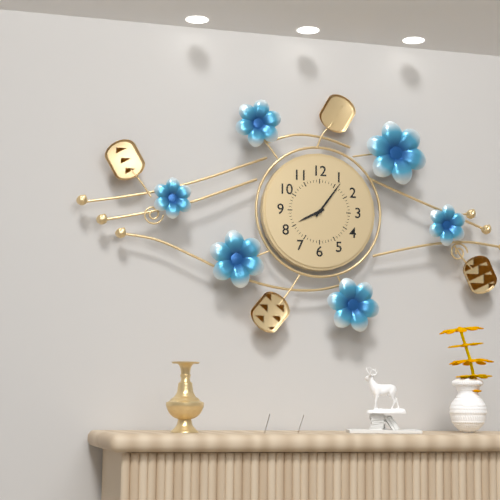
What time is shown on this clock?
8:06
